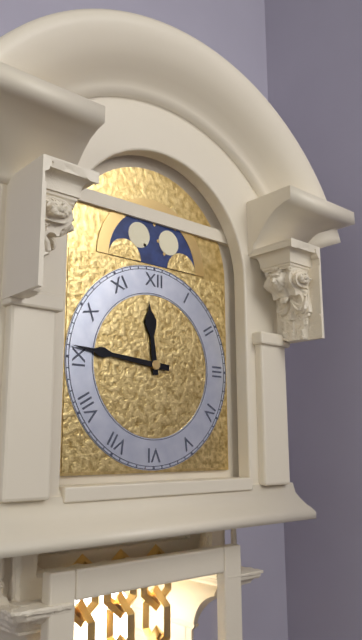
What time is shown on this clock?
11:46
